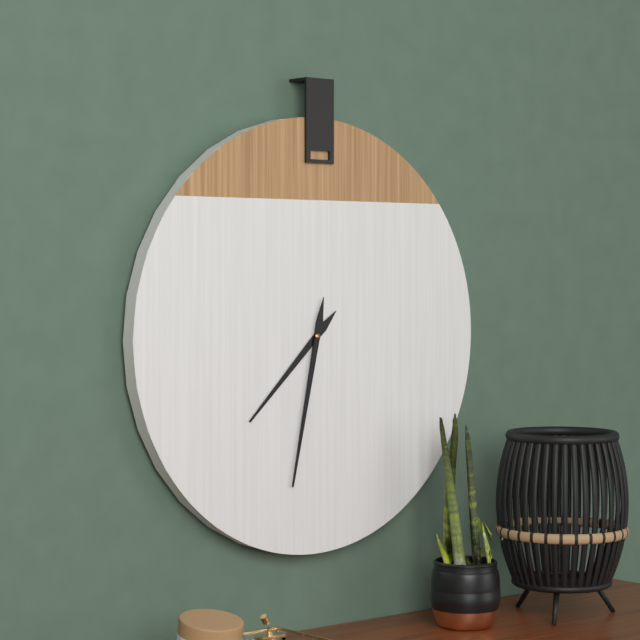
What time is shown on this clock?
7:32
